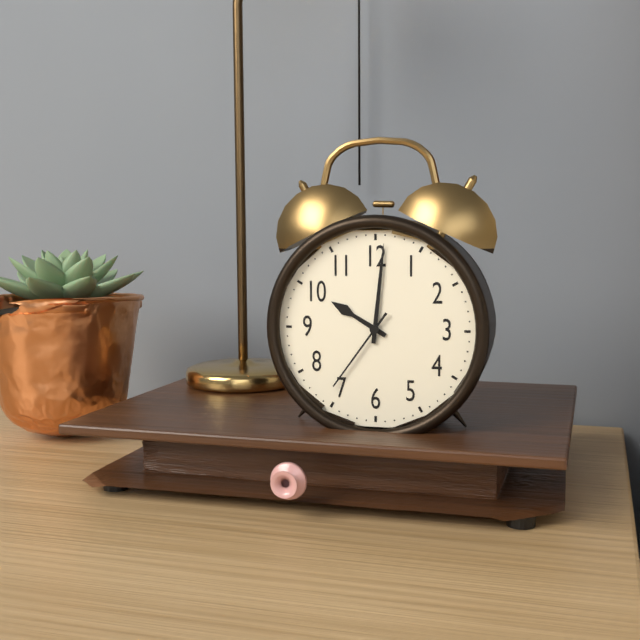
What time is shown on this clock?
10:01:36
